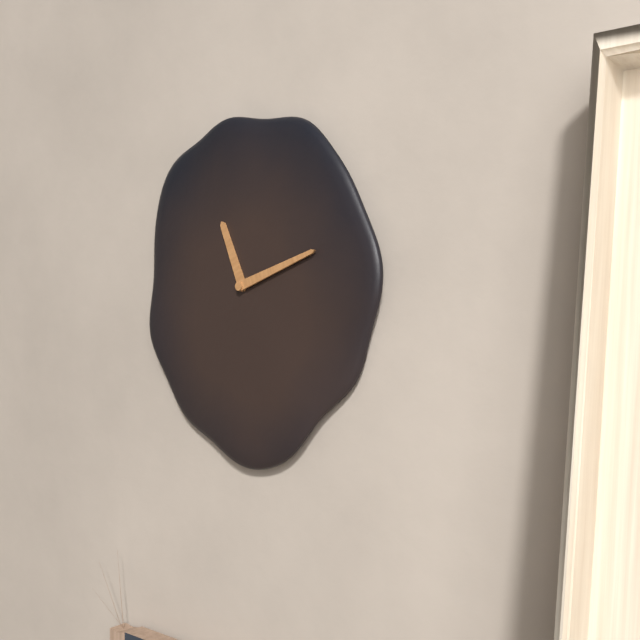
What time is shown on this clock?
11:12
